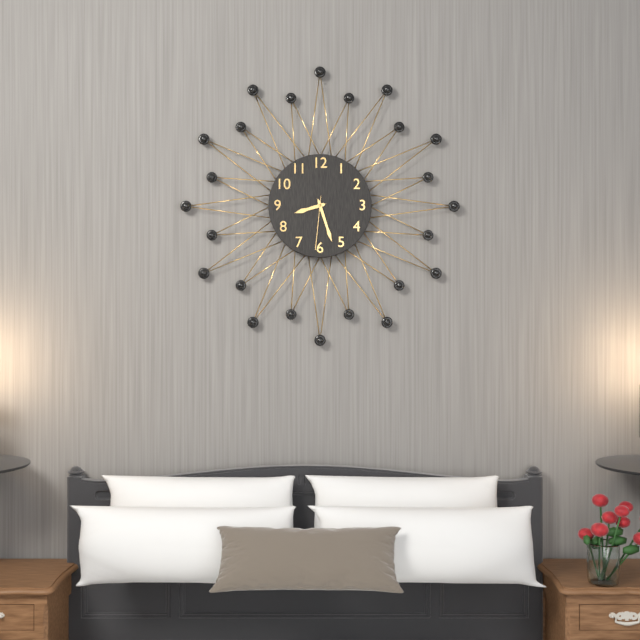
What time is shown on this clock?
8:27:31
